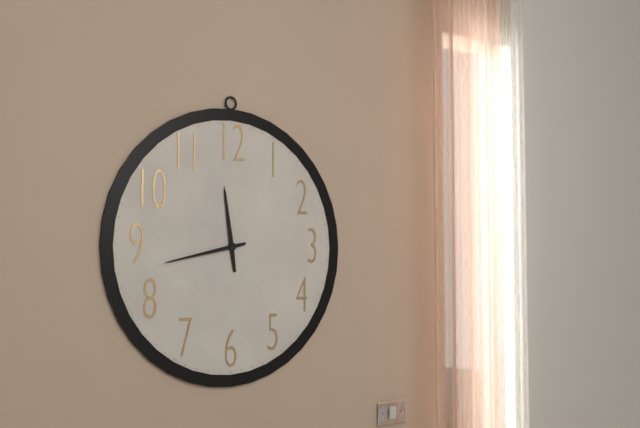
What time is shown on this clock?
11:43
